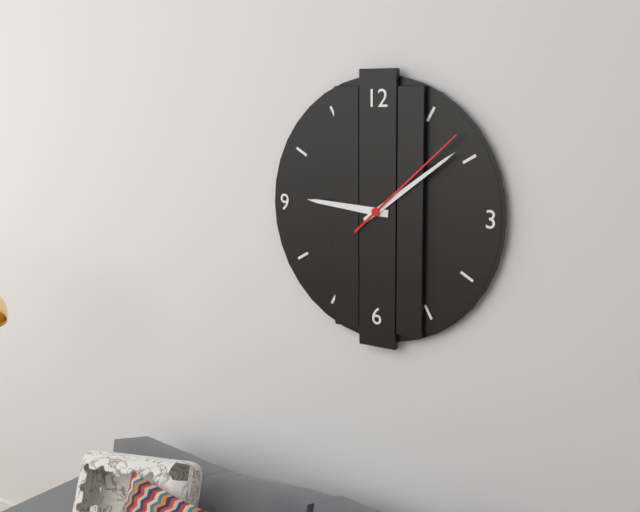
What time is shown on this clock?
9:09:08
